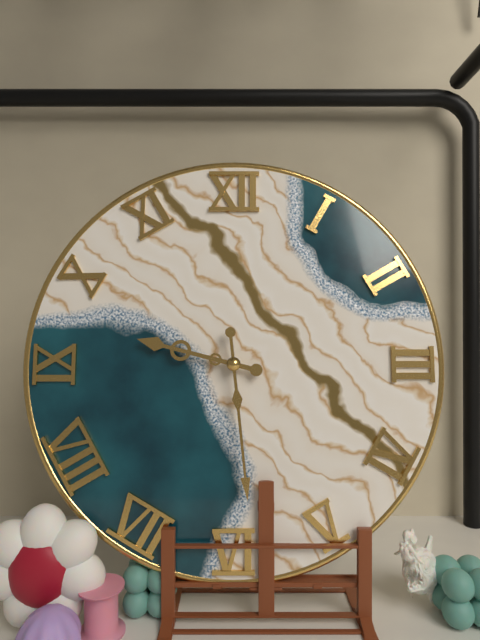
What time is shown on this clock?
9:29
